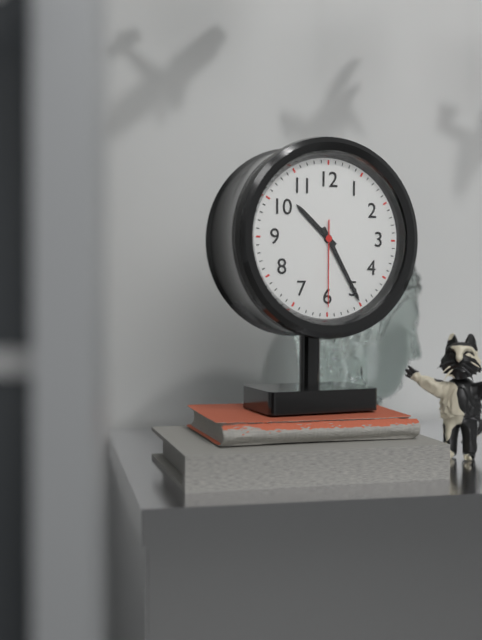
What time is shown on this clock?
10:25:30
